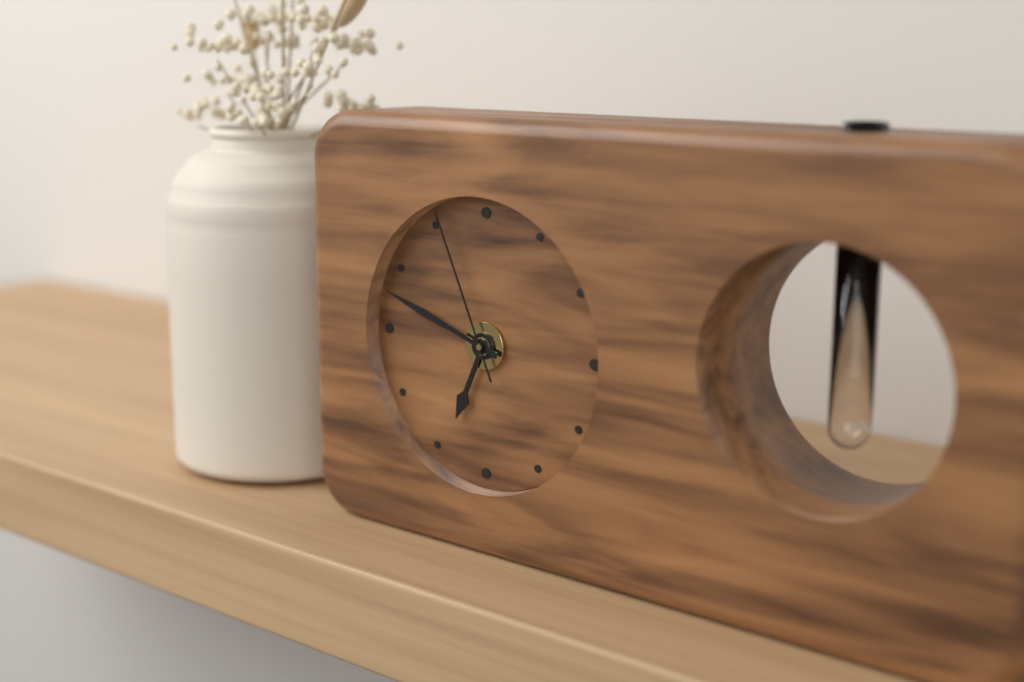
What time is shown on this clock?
6:48:56
